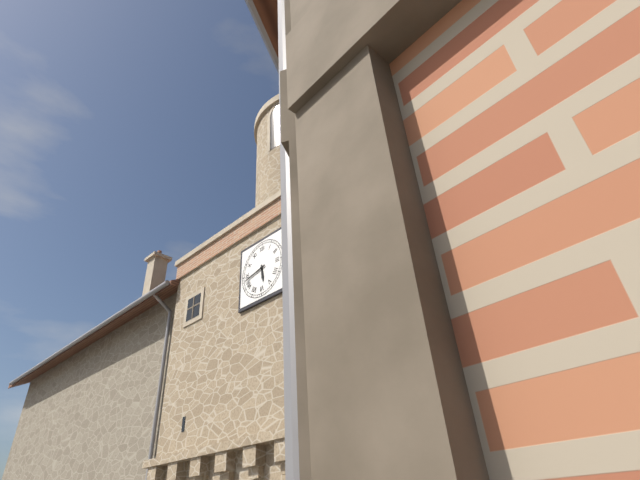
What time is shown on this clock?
5:43
